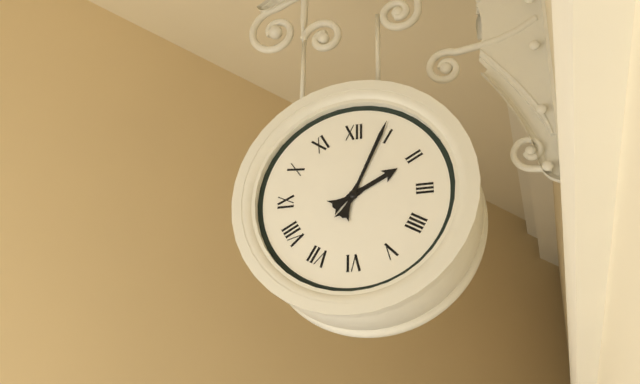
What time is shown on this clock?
2:04
